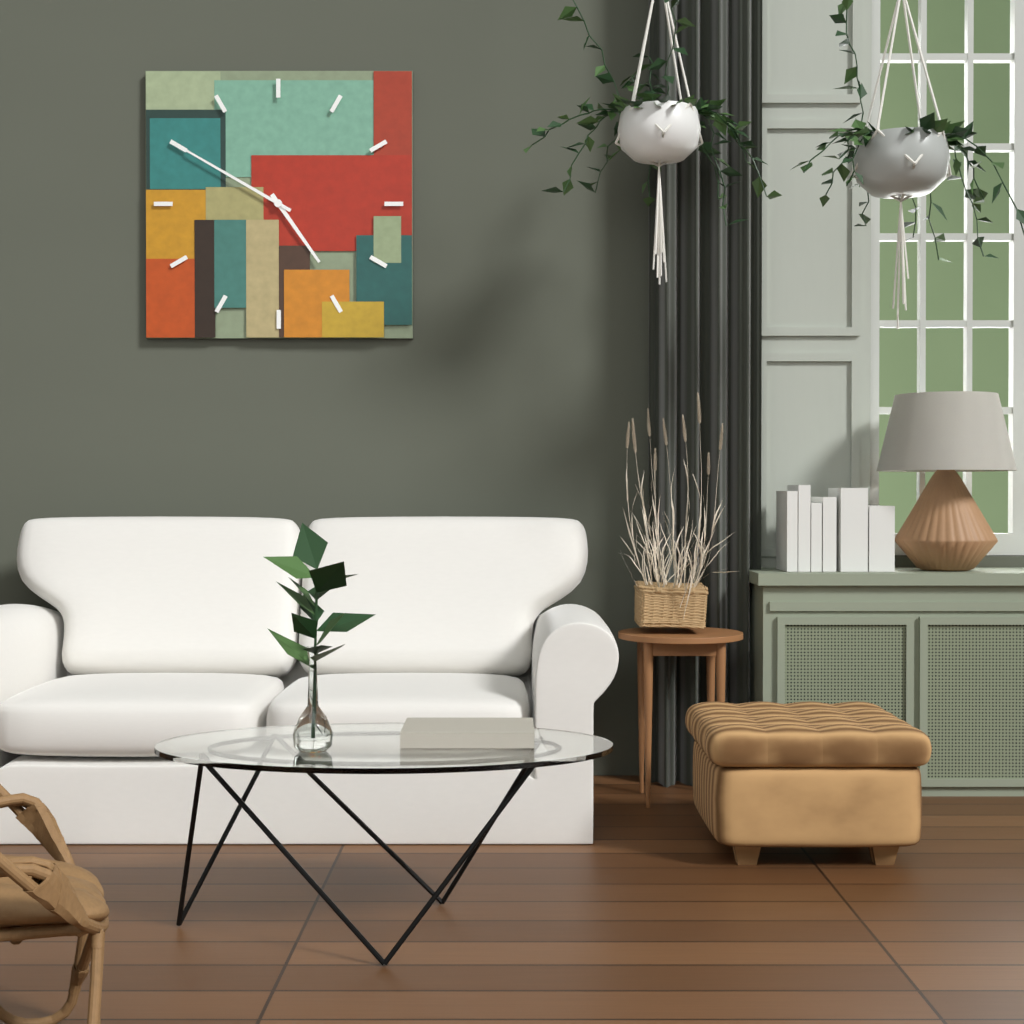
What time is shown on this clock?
4:50
